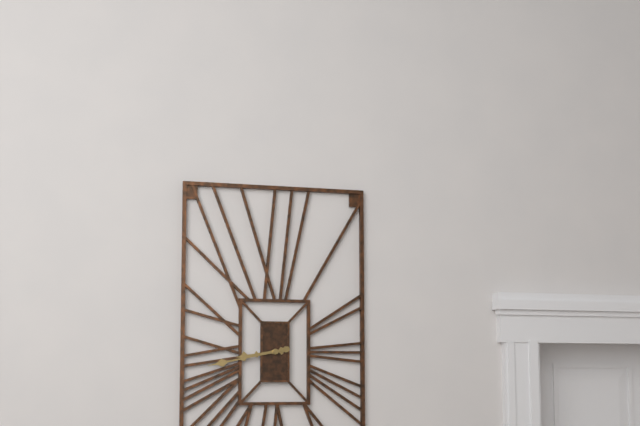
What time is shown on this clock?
8:43
